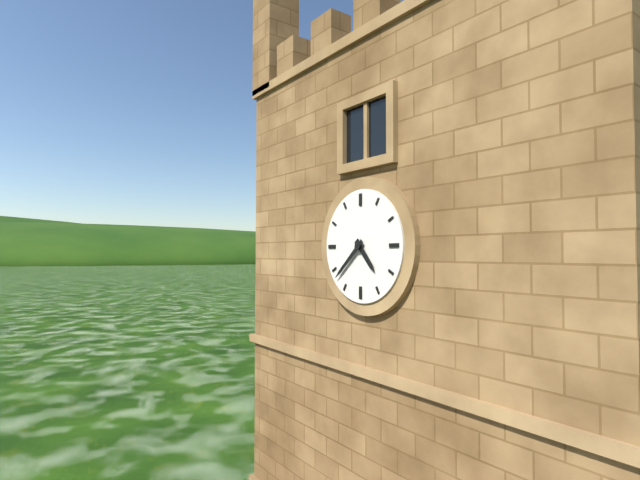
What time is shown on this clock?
4:38
